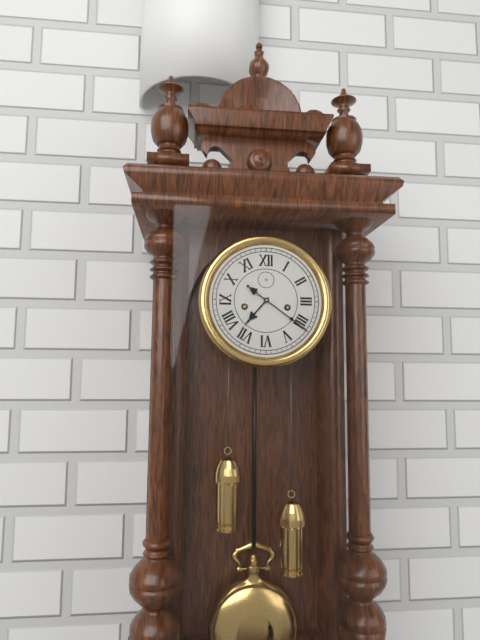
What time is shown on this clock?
7:21
